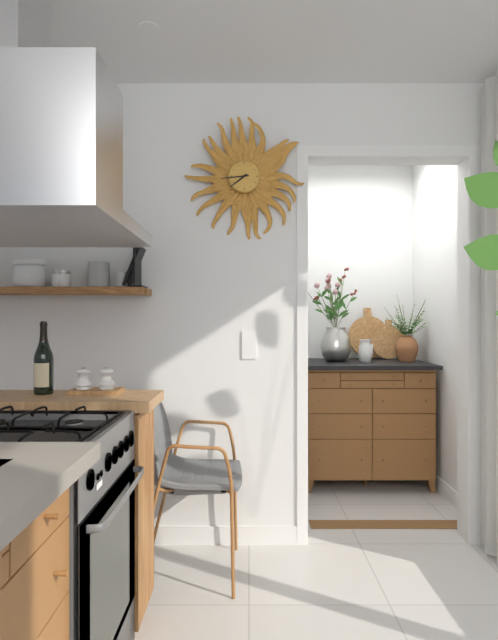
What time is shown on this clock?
7:44
